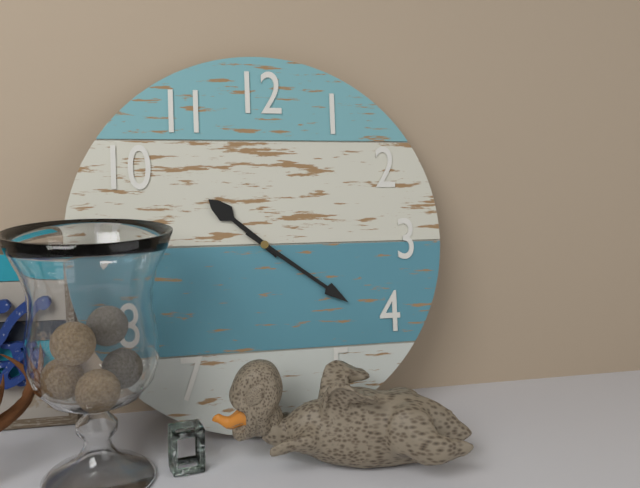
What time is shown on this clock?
10:21
